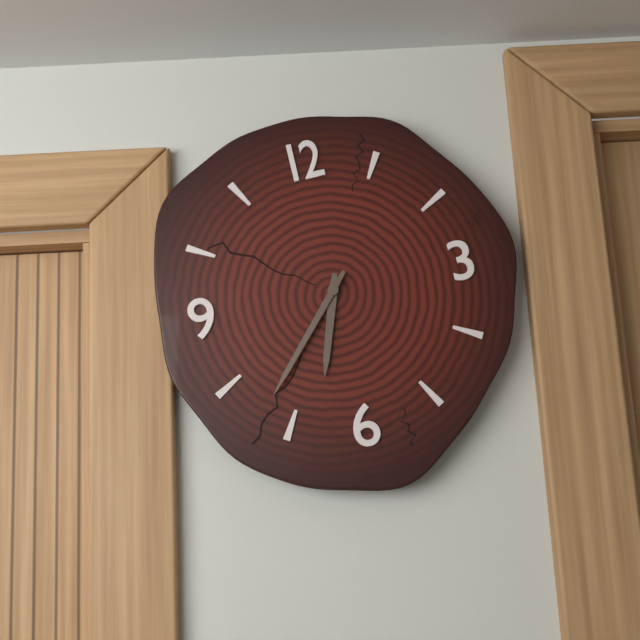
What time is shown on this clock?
6:37
